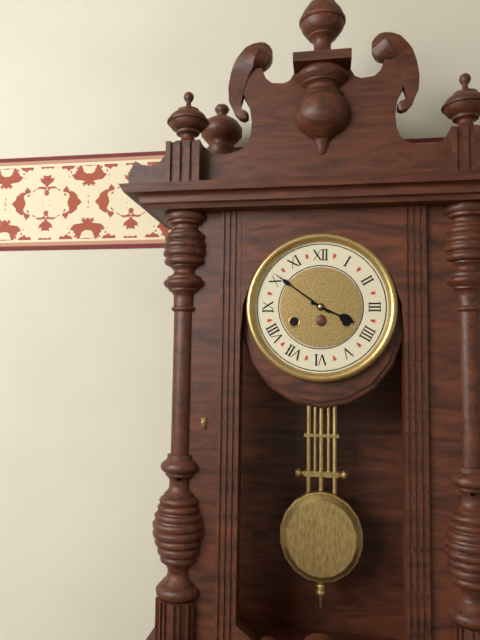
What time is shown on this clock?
3:51
